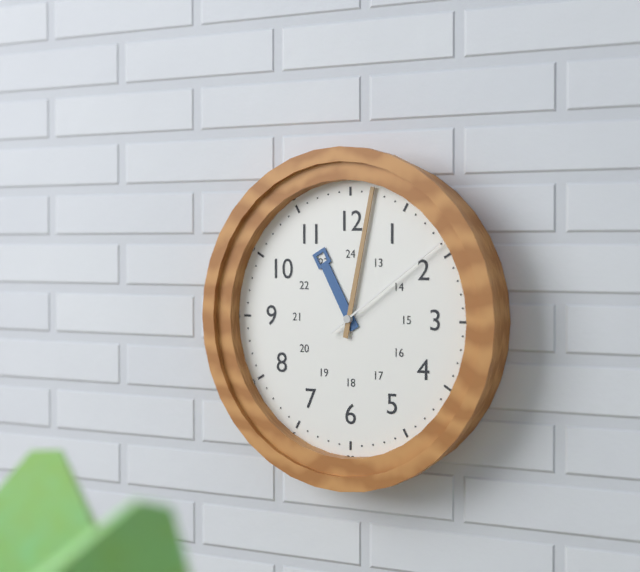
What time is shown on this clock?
11:02:09
